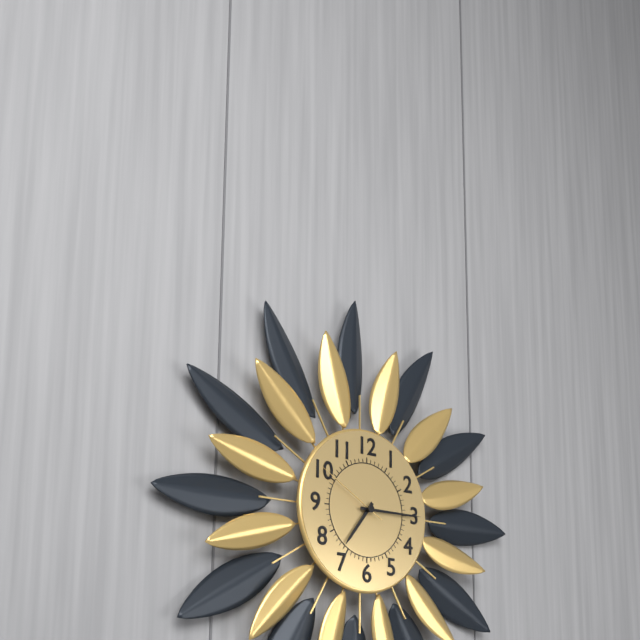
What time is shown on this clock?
7:15:50
